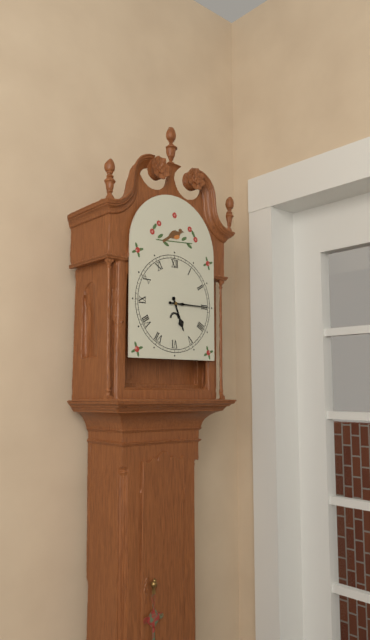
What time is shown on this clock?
5:15
